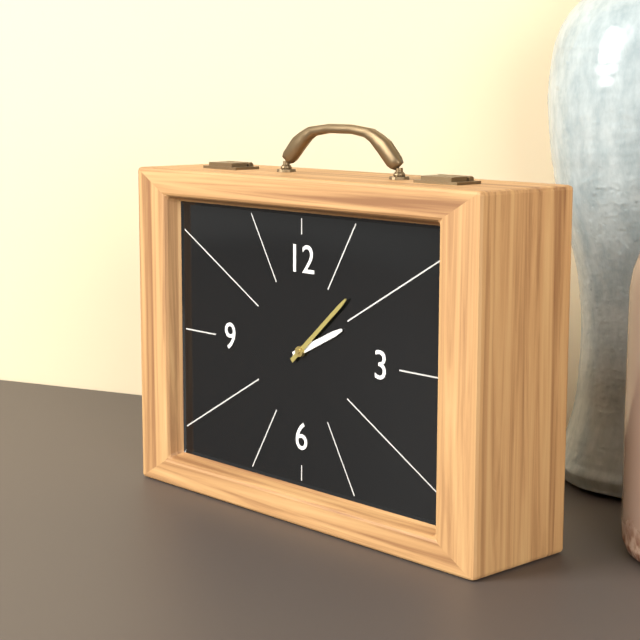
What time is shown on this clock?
2:08
